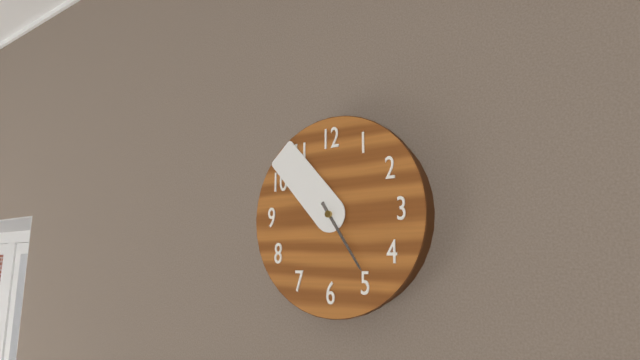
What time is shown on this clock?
4:53
